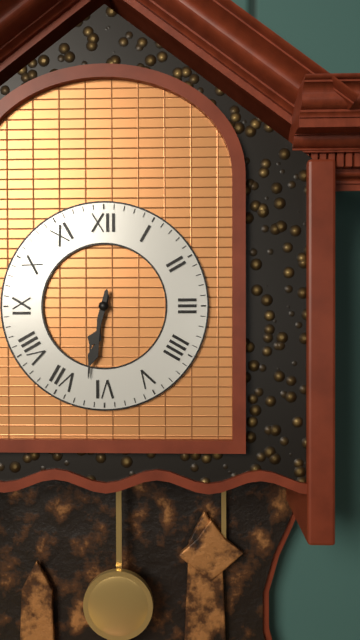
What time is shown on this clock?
6:32
